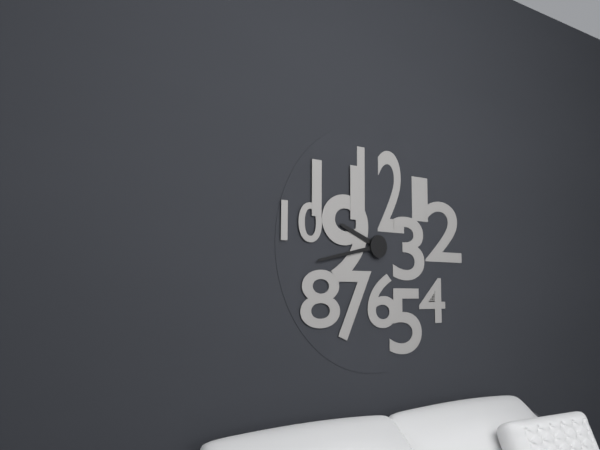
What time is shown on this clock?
9:43
